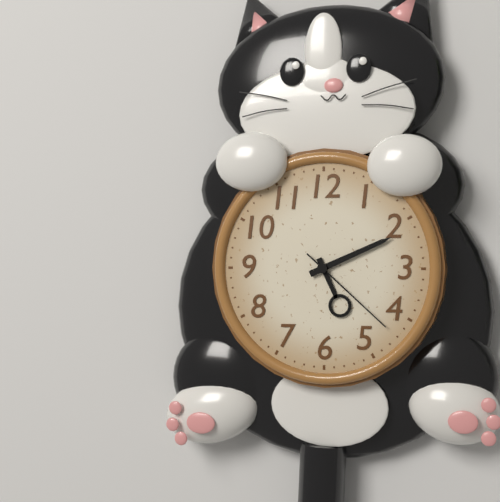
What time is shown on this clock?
5:11:22
